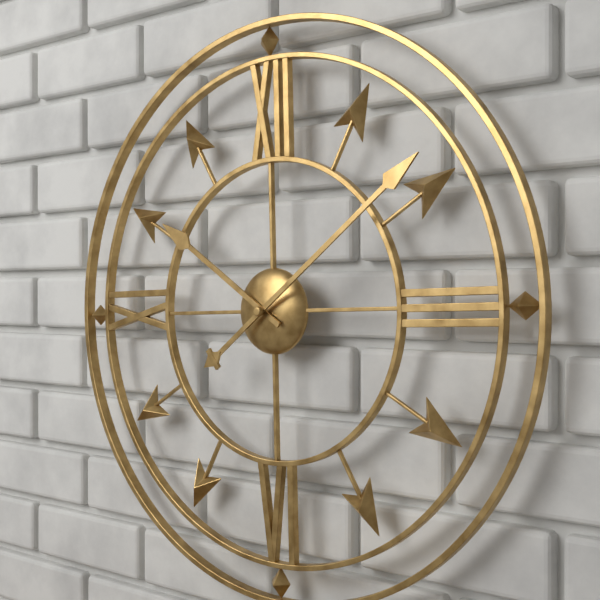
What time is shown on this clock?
10:09
